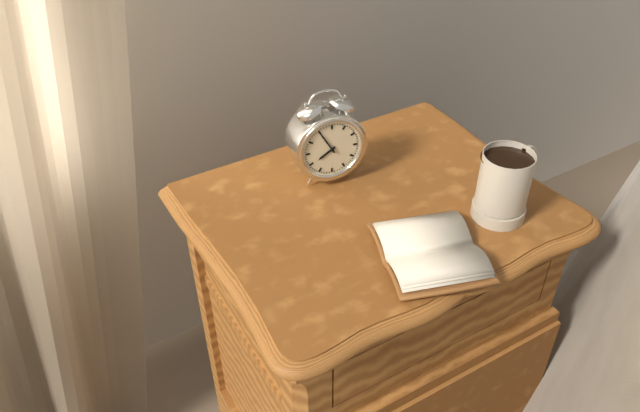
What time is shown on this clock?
7:55
